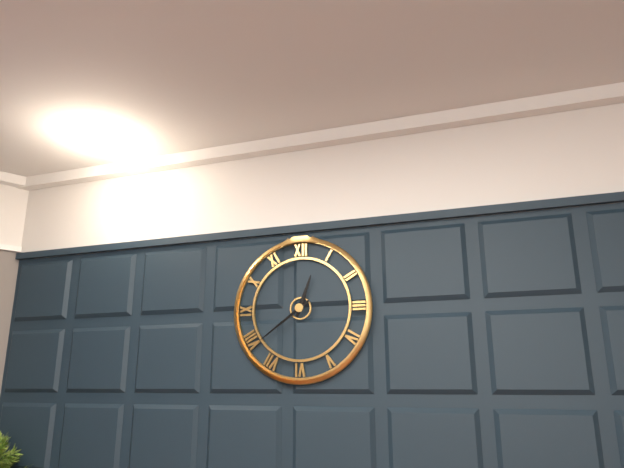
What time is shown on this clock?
12:39
